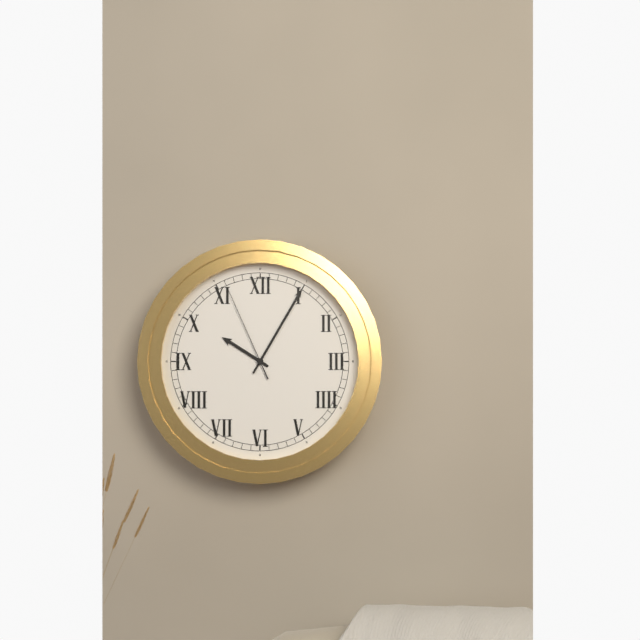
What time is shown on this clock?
10:05:56
